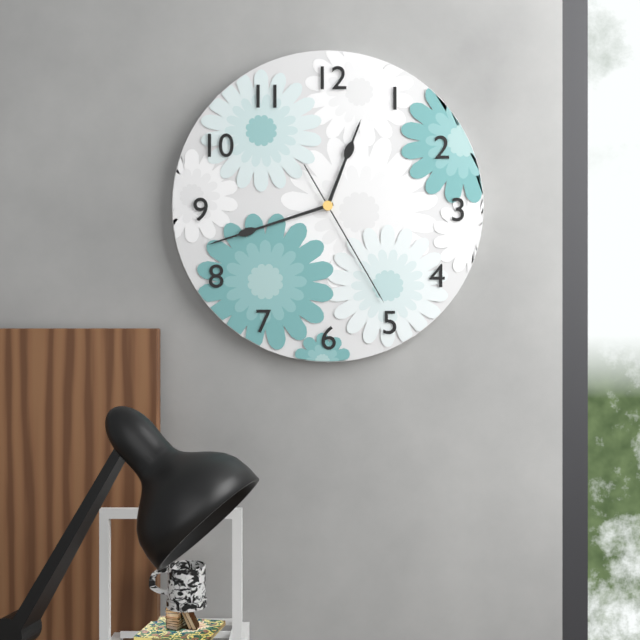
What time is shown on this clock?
12:42:25
